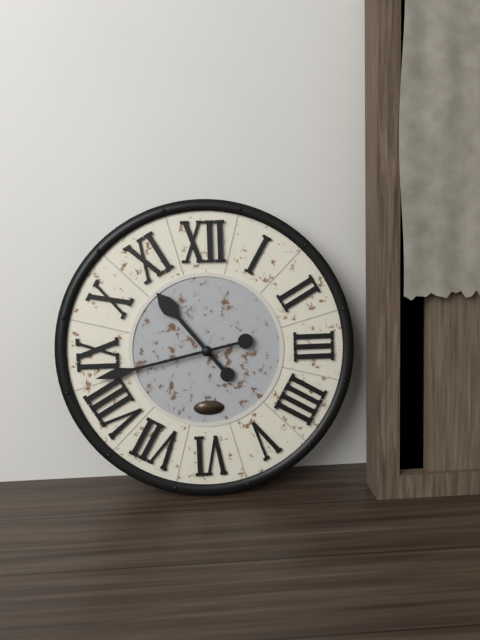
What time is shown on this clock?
10:43
